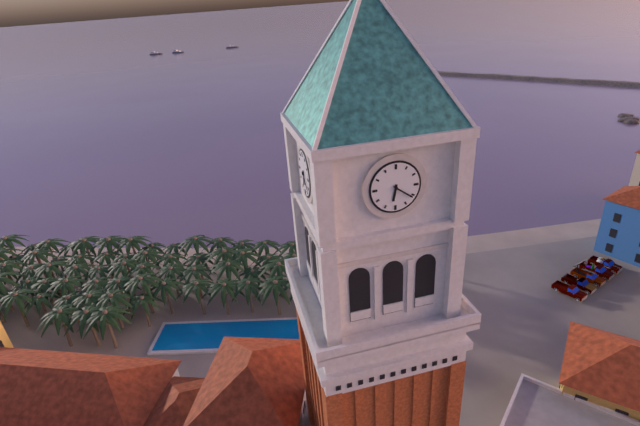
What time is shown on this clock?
6:21
